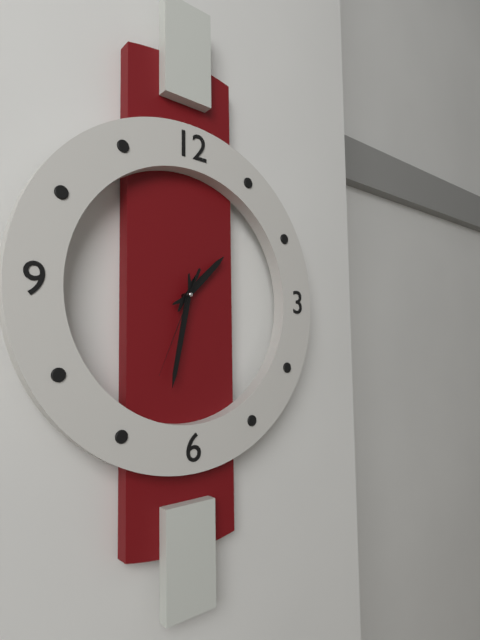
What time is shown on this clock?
1:32:34
